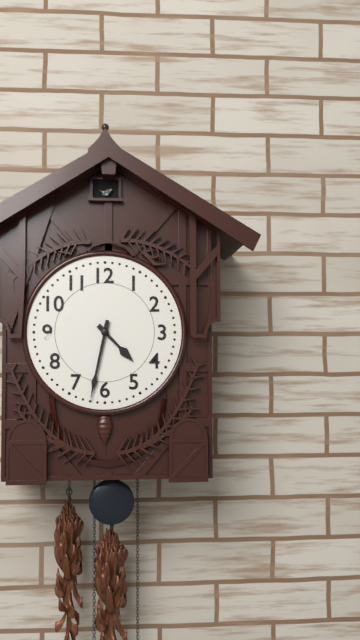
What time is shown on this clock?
4:32
